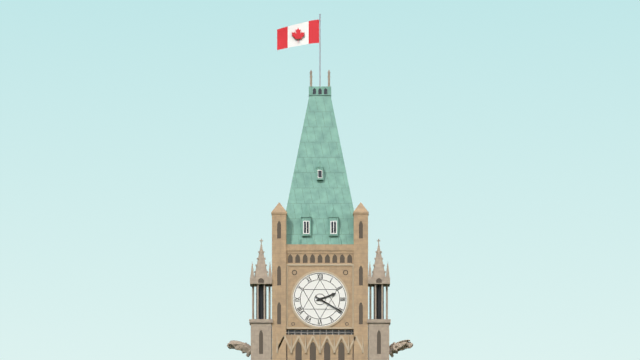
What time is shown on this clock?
2:20
